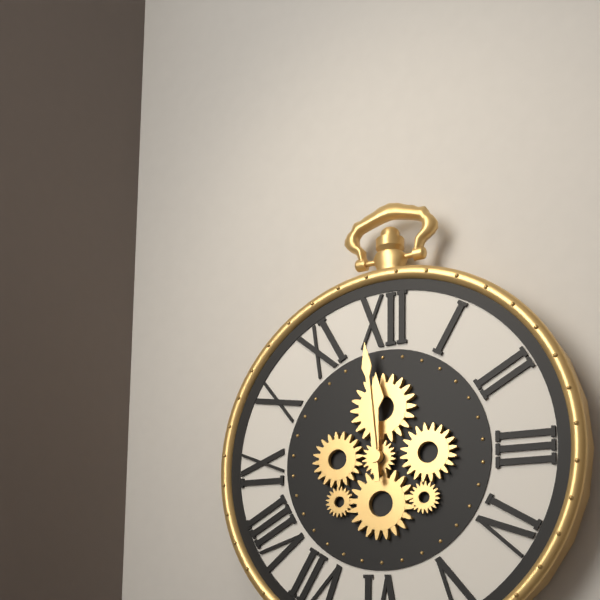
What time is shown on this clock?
11:59
